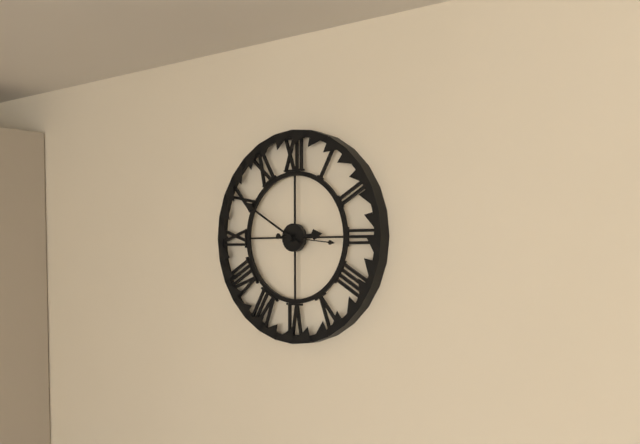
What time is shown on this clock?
2:50
